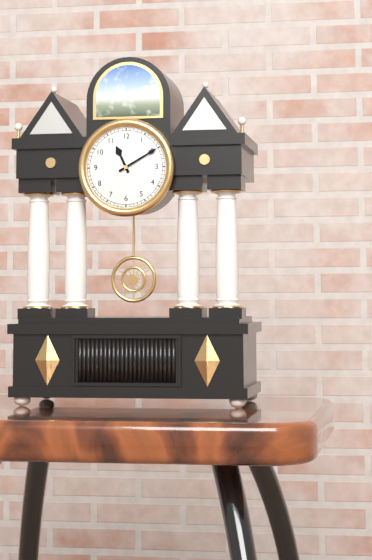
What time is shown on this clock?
11:10
